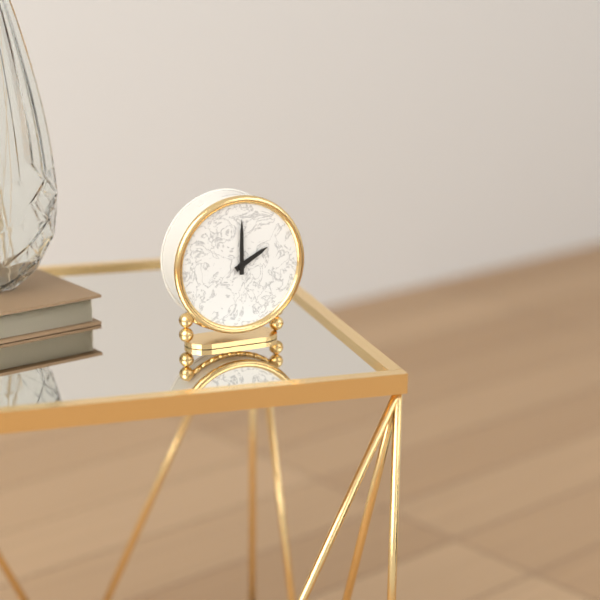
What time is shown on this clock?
2:00
